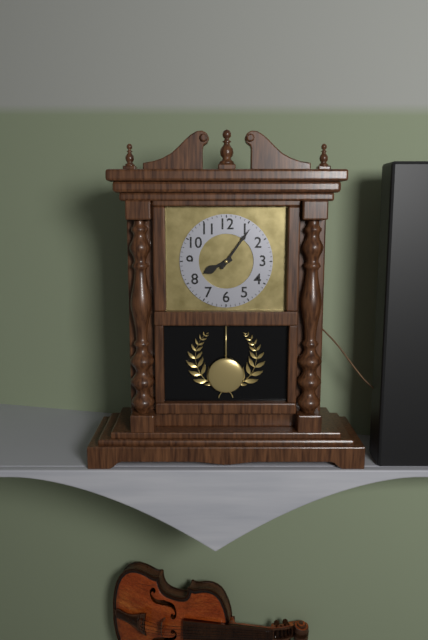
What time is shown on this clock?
8:06
